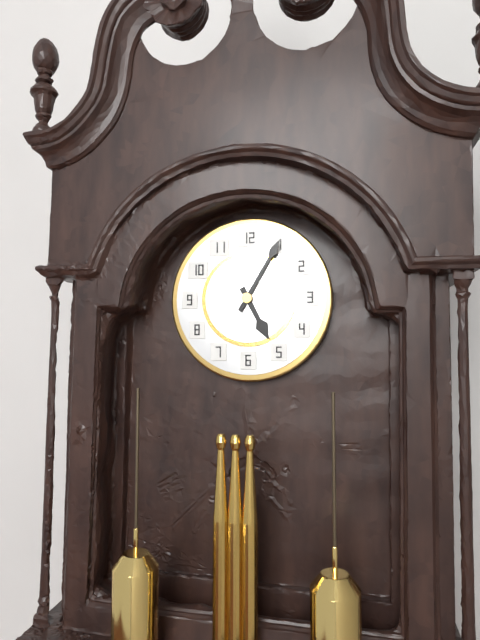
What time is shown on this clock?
5:05
